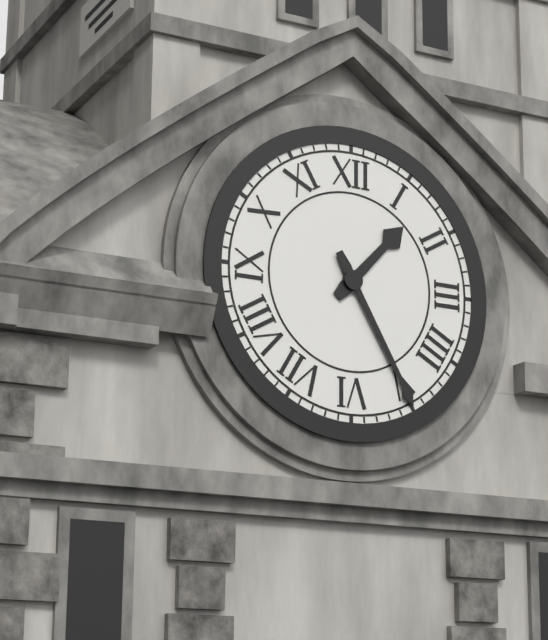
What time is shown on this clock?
1:25
